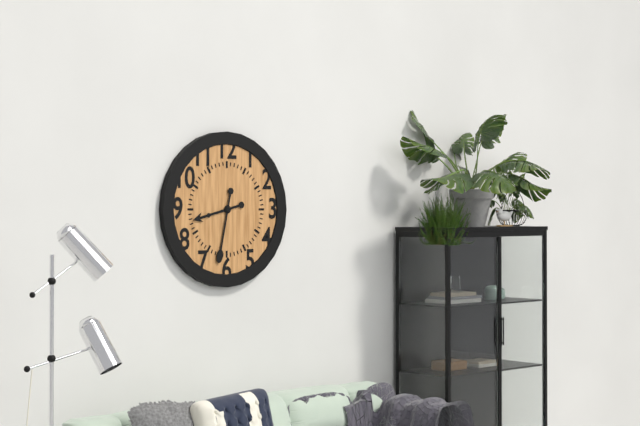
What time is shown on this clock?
8:32
